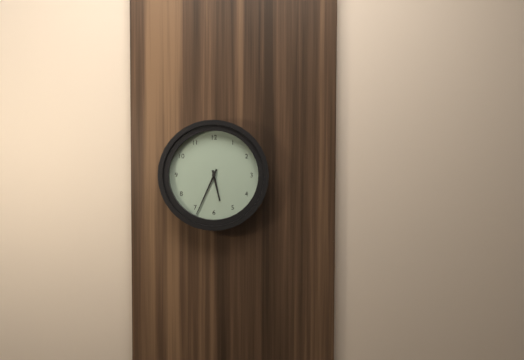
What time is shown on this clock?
5:34
